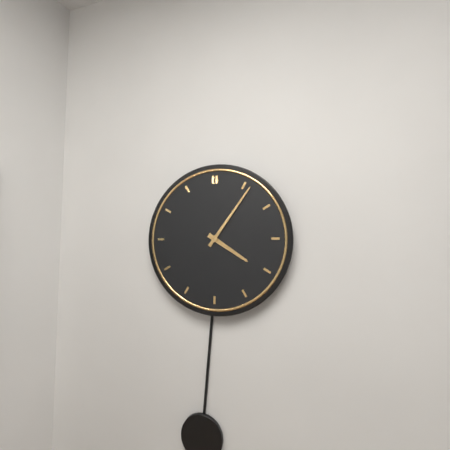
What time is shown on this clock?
4:06
